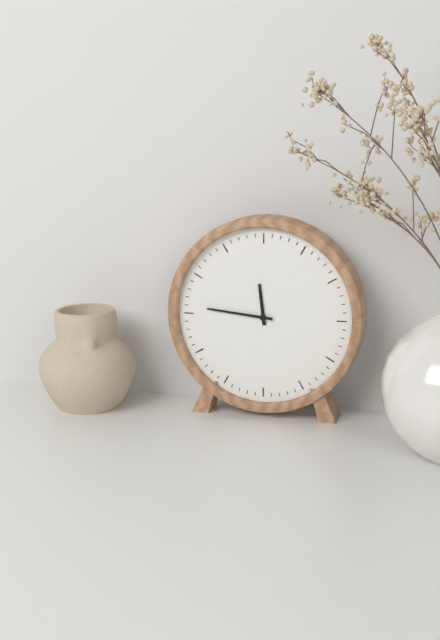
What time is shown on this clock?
11:46
